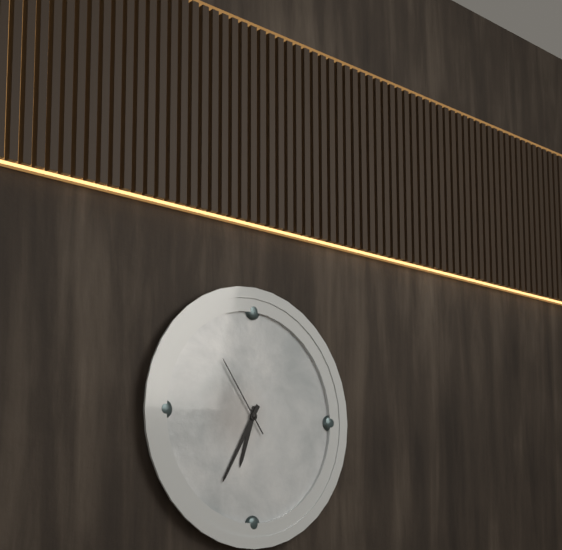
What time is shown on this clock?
6:35:54
